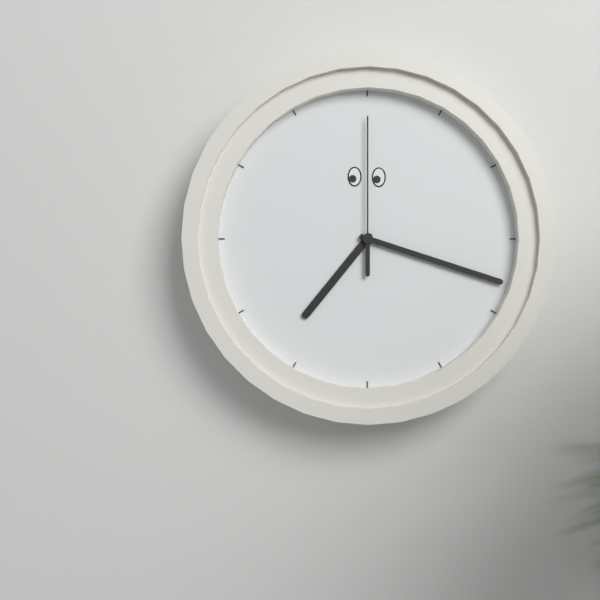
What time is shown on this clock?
7:18:00
